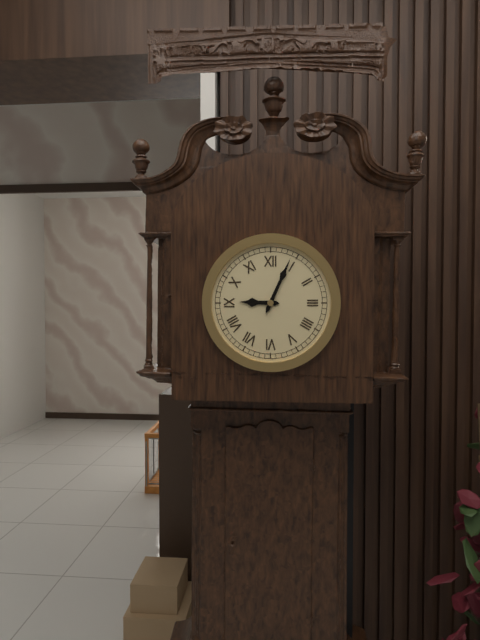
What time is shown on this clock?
9:04
